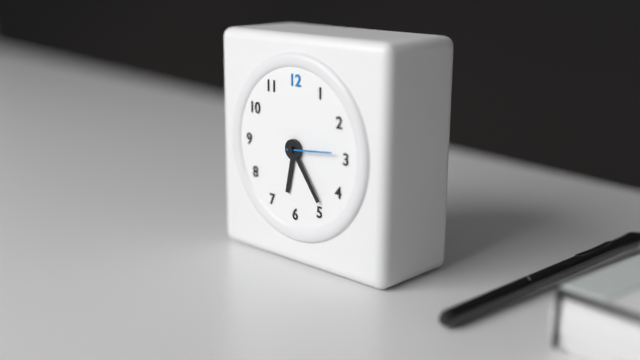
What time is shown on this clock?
6:24
